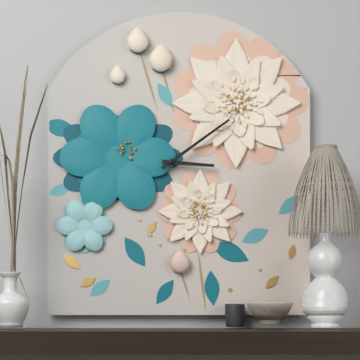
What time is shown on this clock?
3:09
